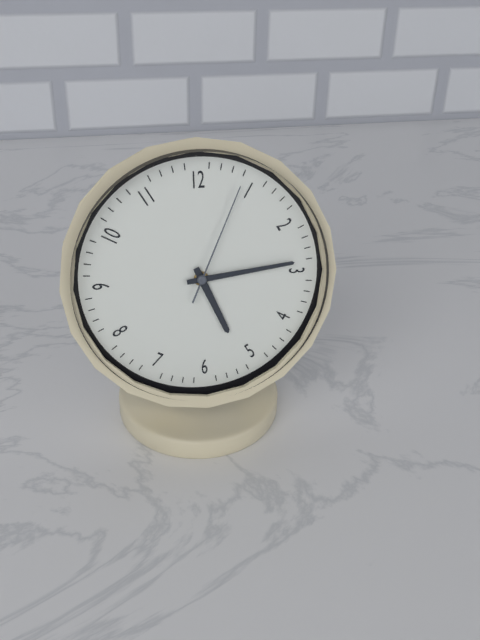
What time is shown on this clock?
5:14:04
